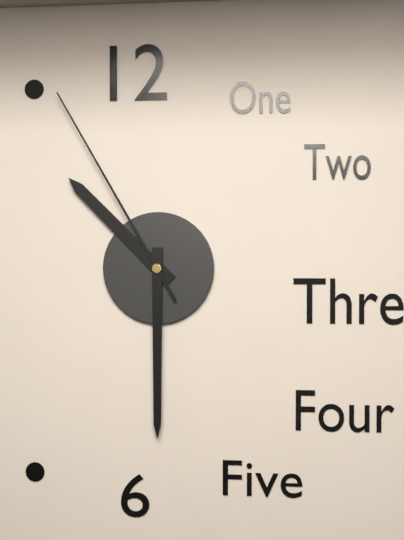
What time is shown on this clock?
10:30:55
